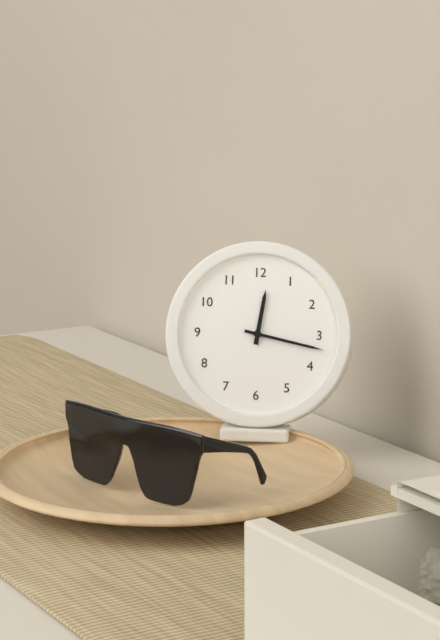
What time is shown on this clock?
12:17
